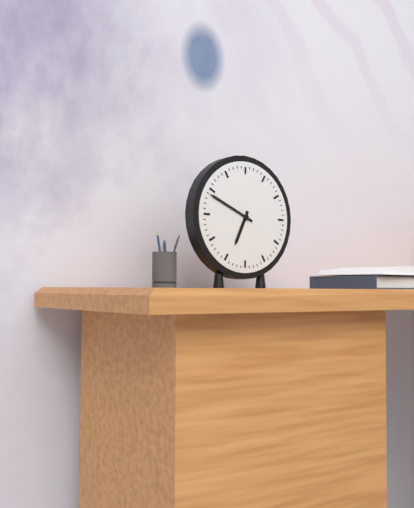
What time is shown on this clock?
6:49
